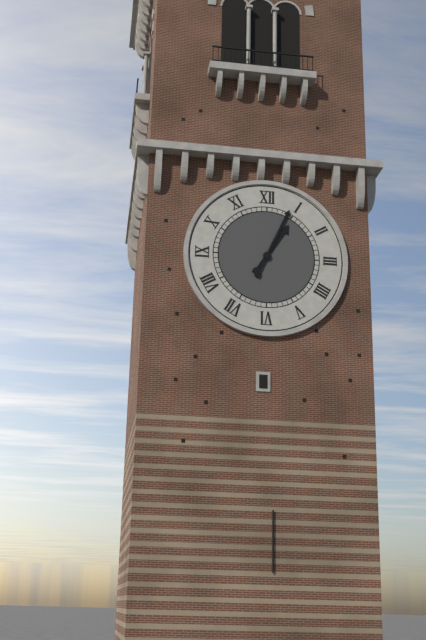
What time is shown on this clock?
1:04
